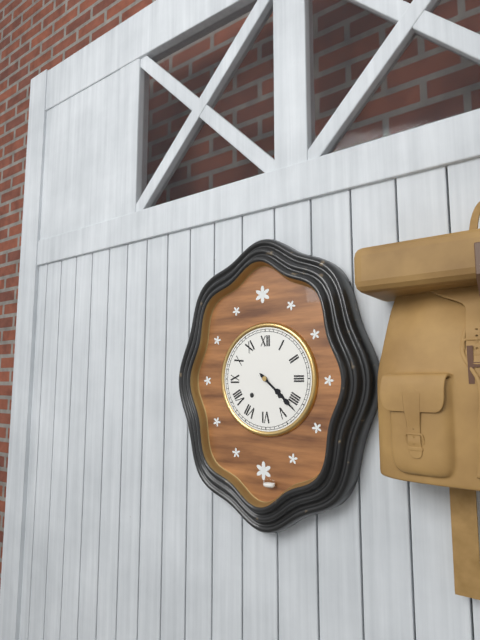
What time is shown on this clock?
4:22
